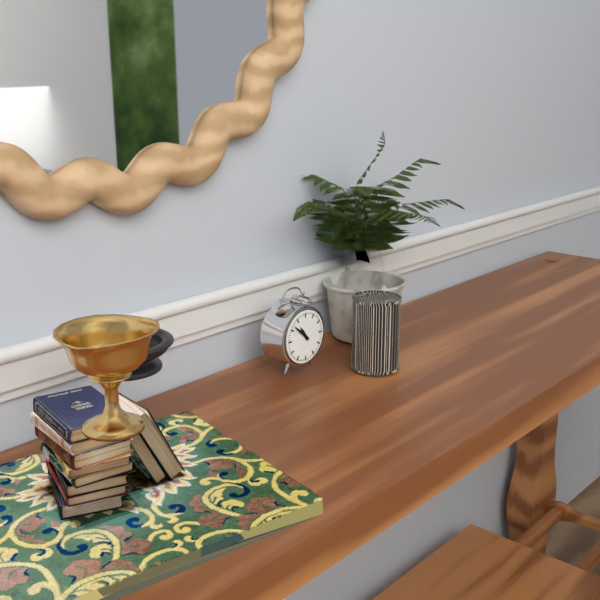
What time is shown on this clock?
10:52
